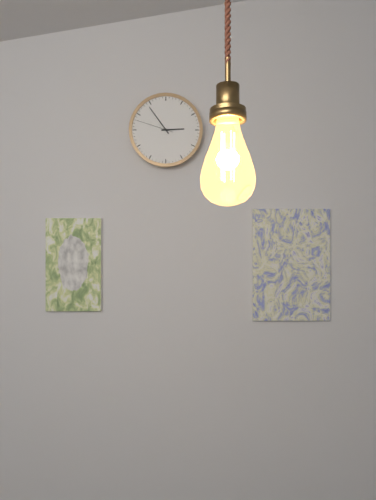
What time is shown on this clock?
2:54
